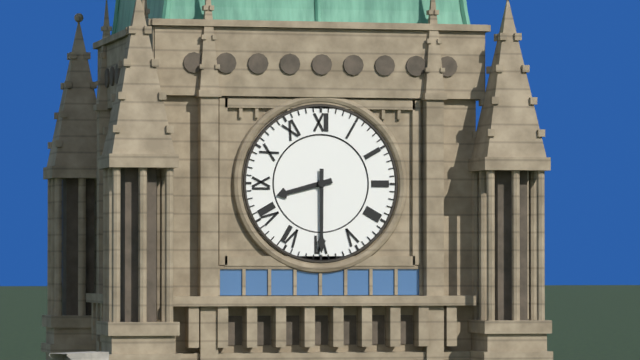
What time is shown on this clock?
8:30
